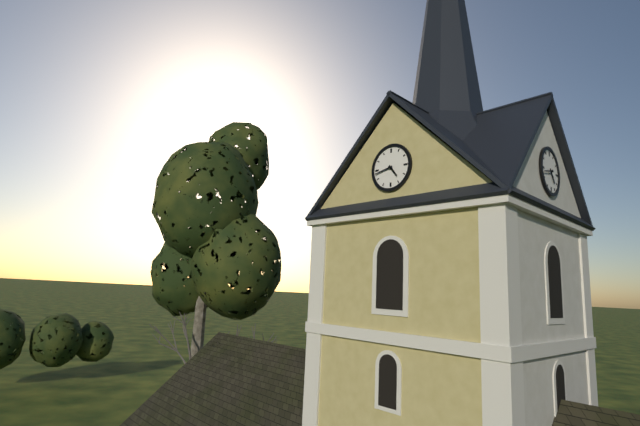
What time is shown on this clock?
4:43
